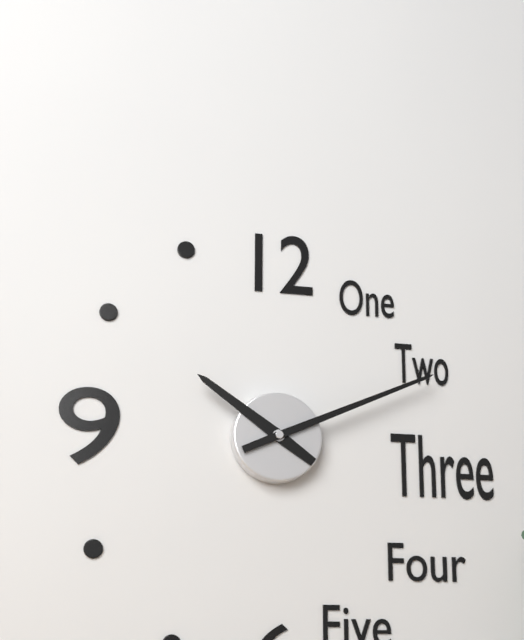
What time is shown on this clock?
10:11
